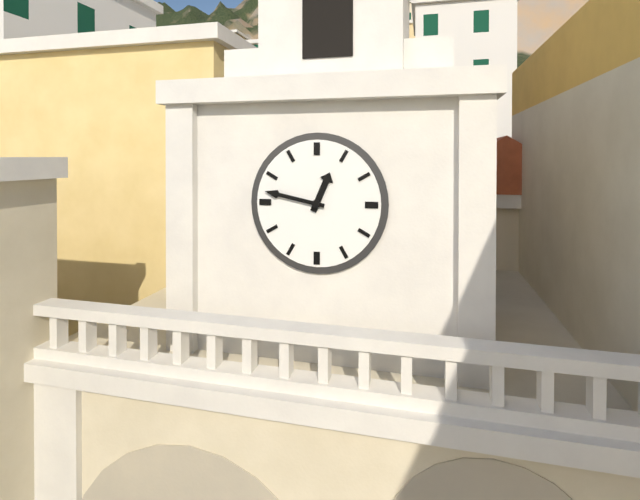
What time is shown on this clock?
12:47
